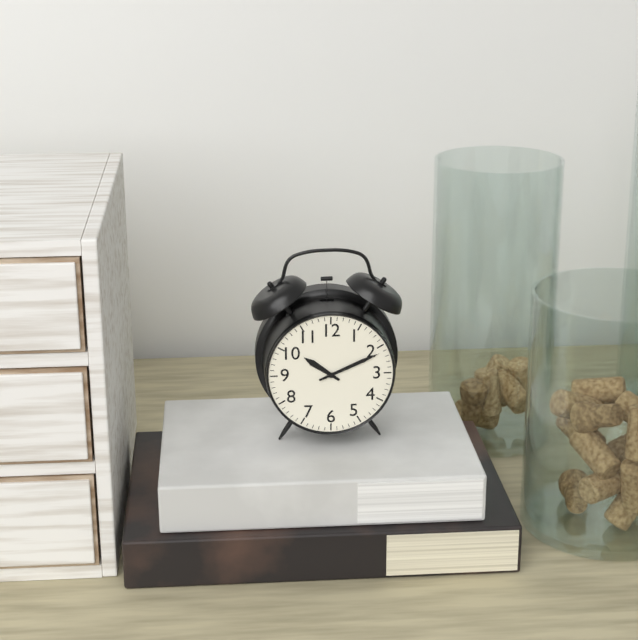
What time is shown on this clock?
10:11
